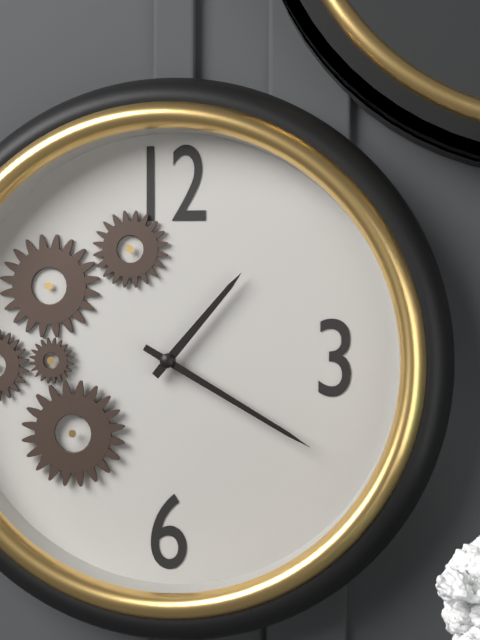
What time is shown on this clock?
1:20
